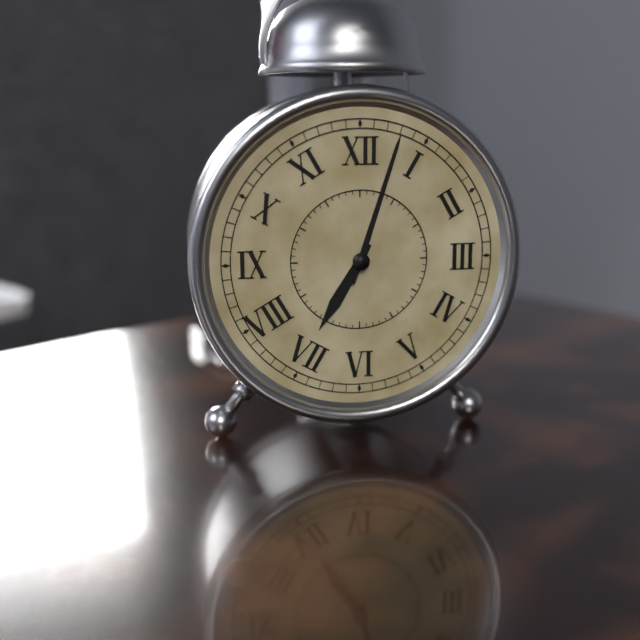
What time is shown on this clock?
7:03
